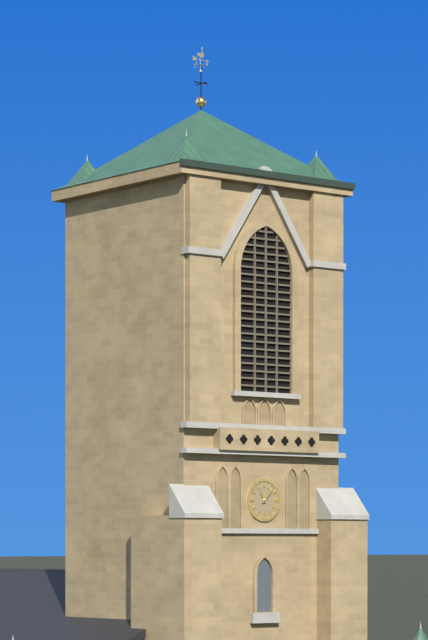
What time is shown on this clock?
11:07
